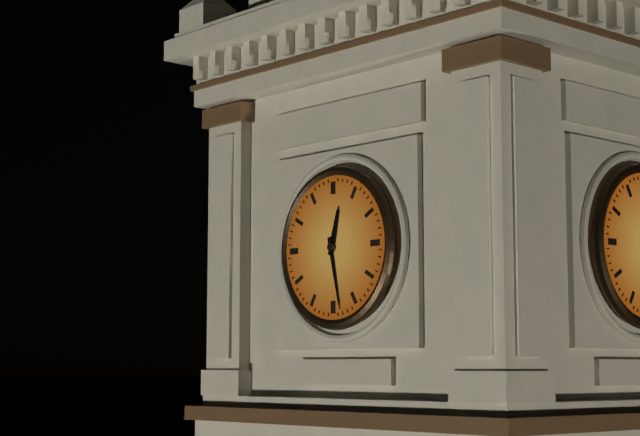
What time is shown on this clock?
12:28
